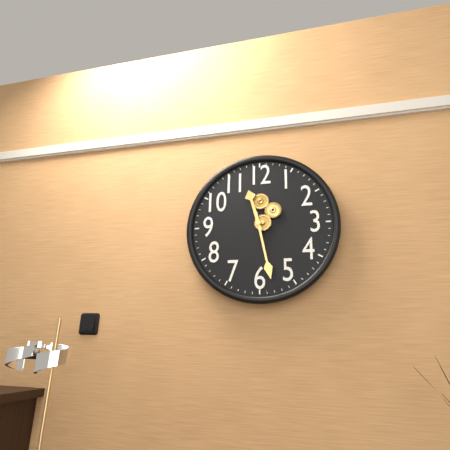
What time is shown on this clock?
11:28
